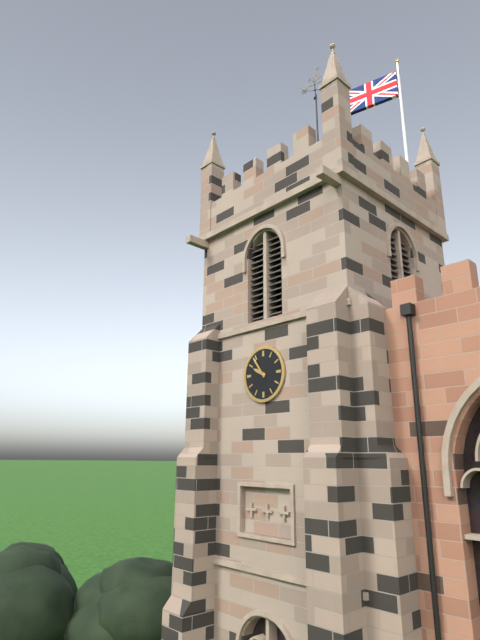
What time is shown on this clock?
9:54
